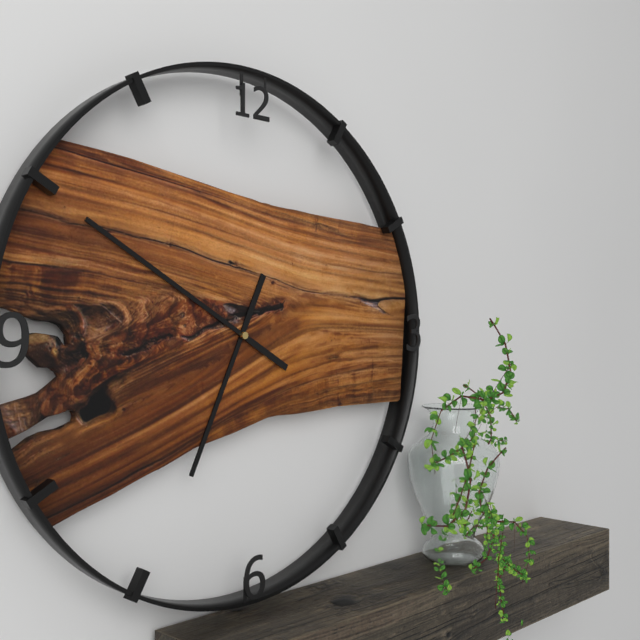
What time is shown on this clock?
6:50
